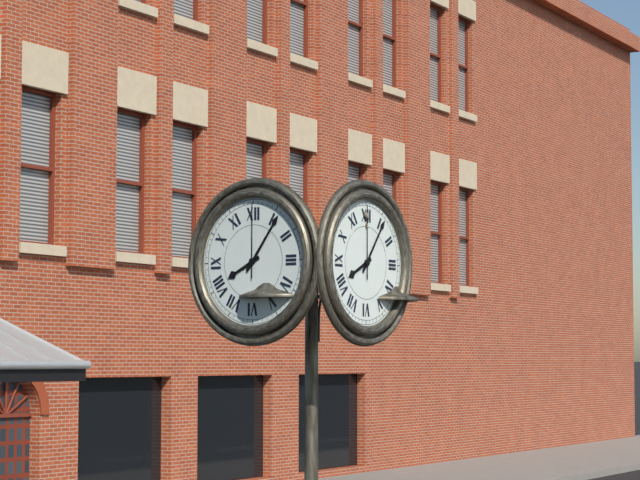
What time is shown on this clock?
8:06:00
